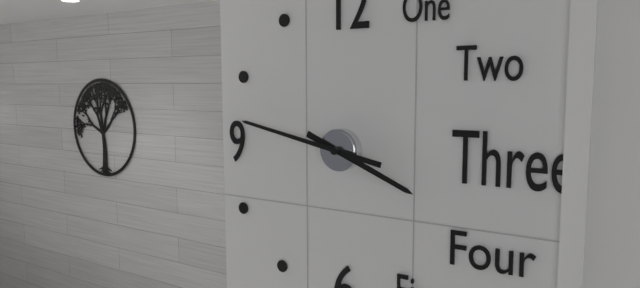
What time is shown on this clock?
3:47
